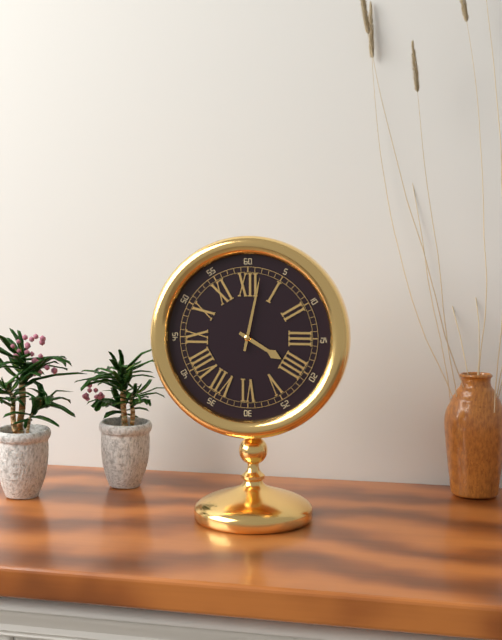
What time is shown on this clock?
4:02
